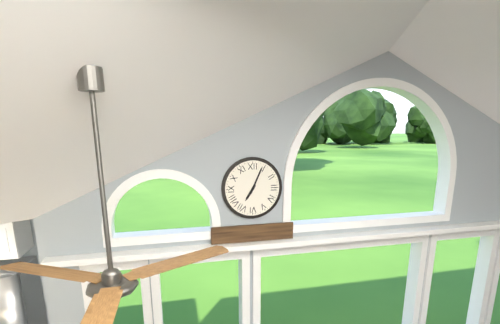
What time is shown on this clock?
7:04
